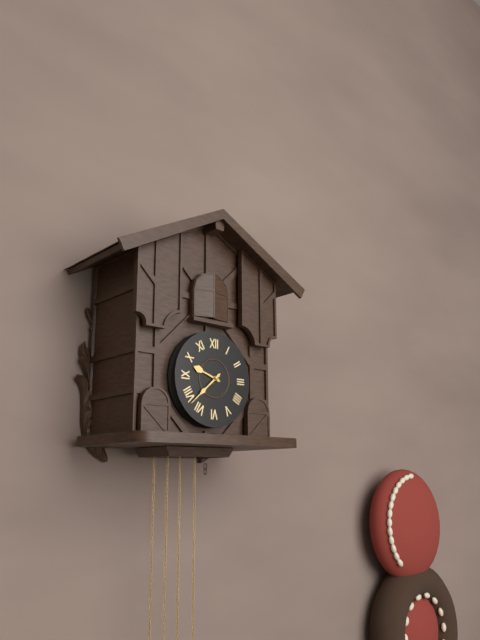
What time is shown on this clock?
9:38
